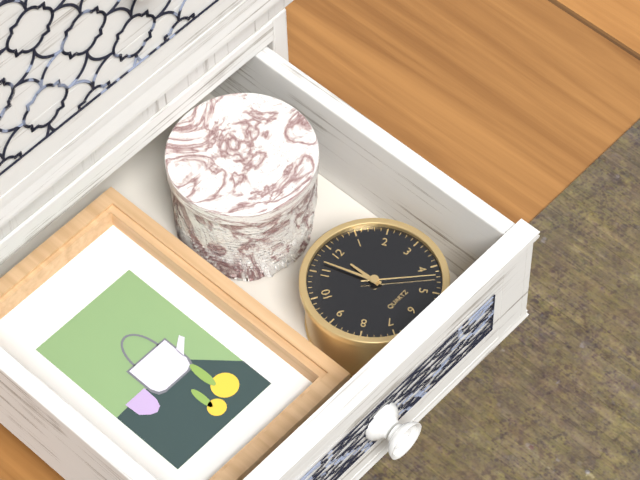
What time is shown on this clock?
11:57:22
